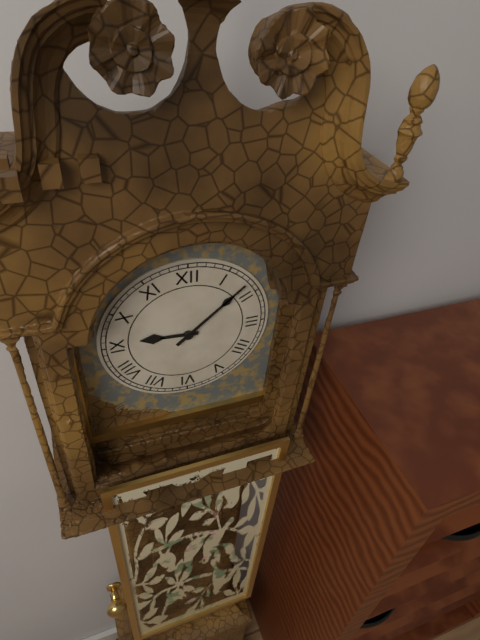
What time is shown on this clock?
9:08
